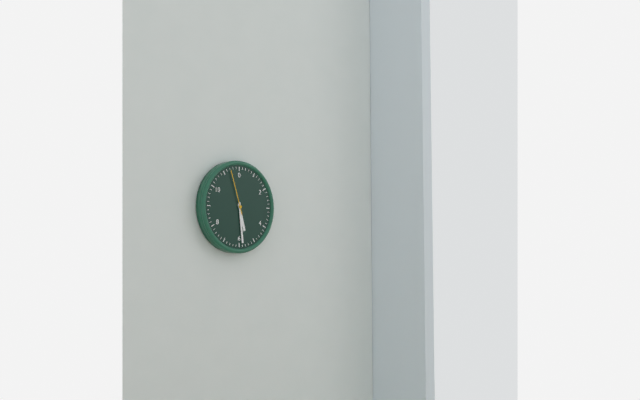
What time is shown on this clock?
5:29
